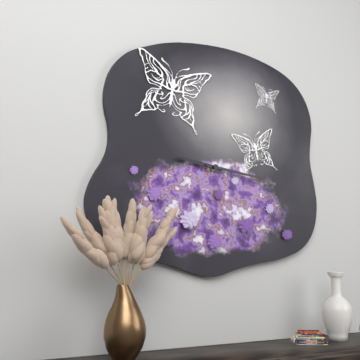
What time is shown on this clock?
9:16
